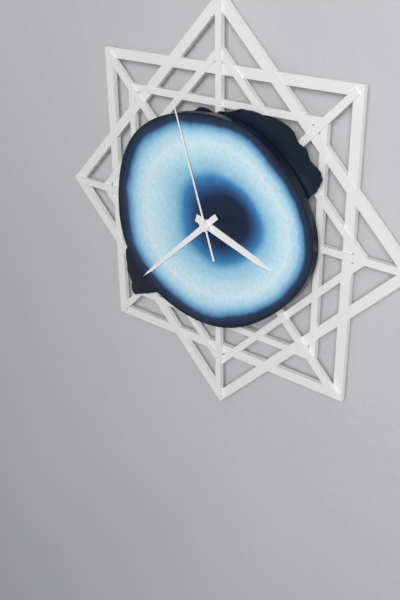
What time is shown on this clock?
3:38:57
